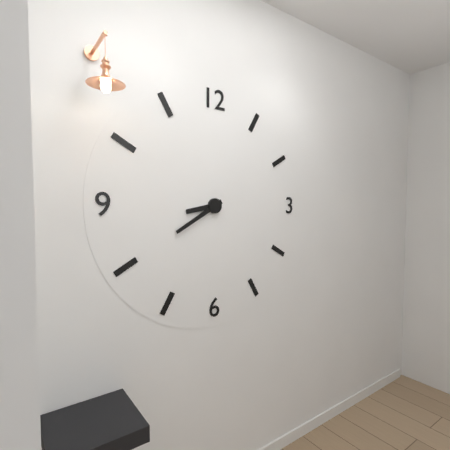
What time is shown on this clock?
8:40
